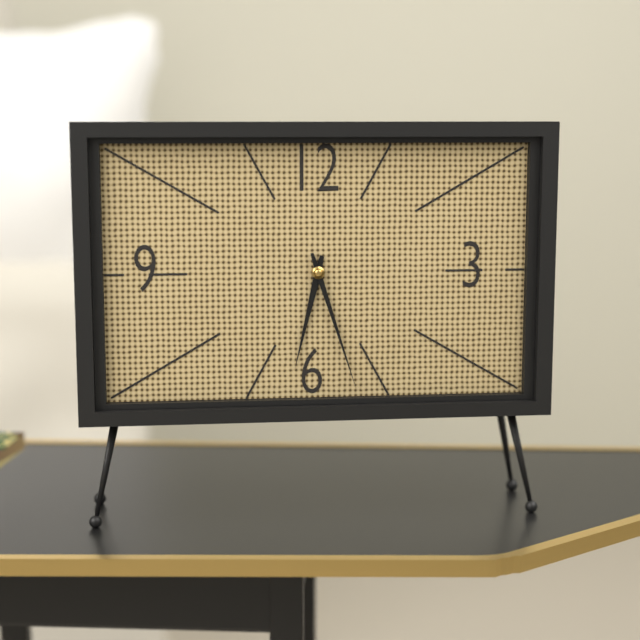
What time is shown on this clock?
6:27
